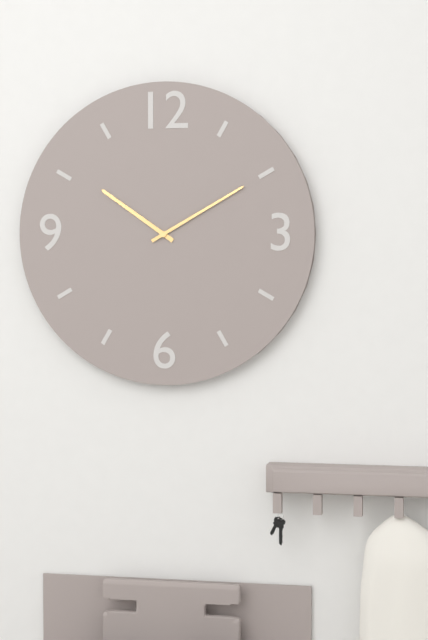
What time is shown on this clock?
10:10
